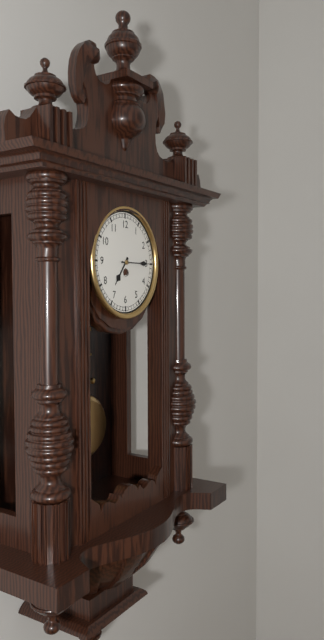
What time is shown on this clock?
7:15
